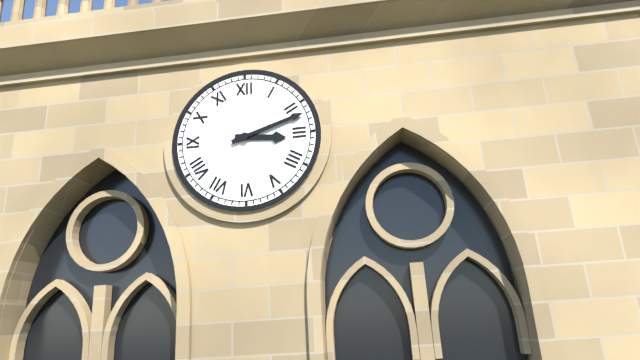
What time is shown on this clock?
3:12
